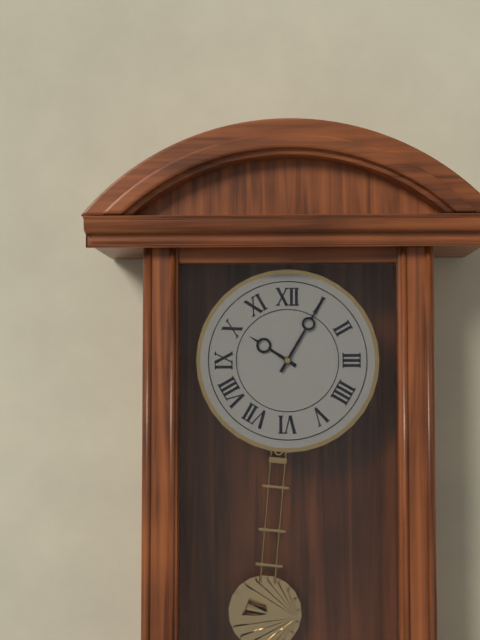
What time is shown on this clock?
10:05
